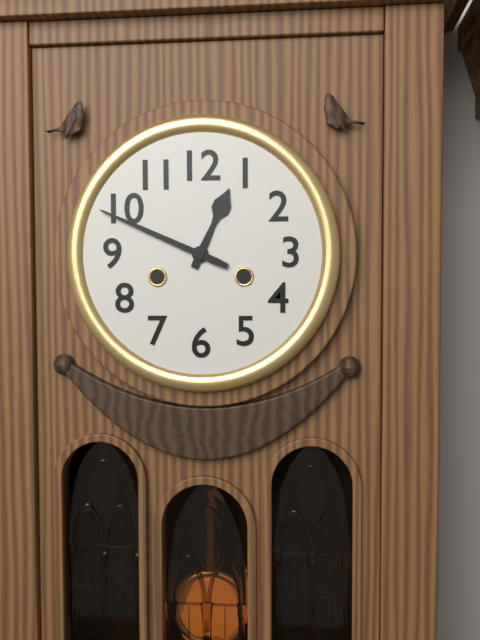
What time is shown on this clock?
12:49
